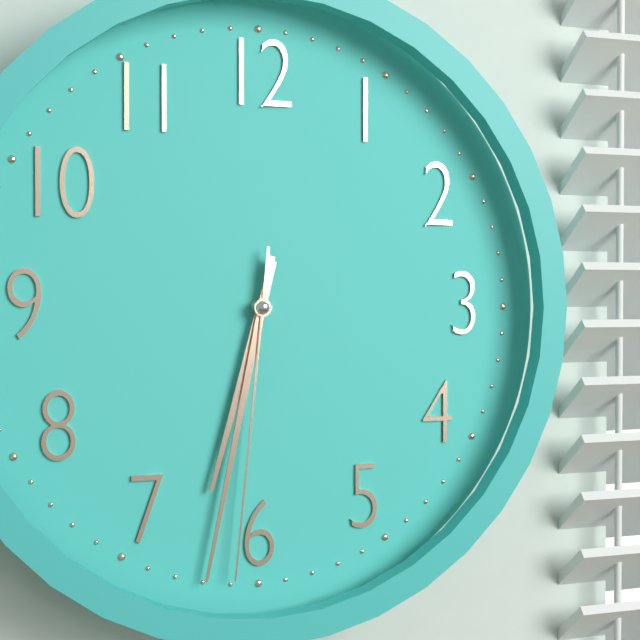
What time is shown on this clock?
6:32:31
